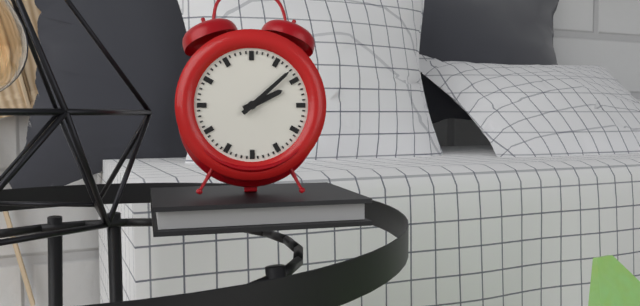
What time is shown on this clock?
2:08
